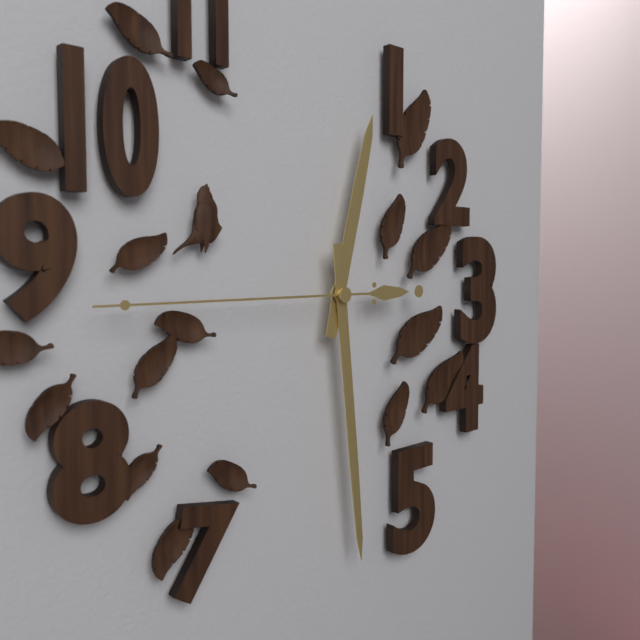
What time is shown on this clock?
12:29:45
